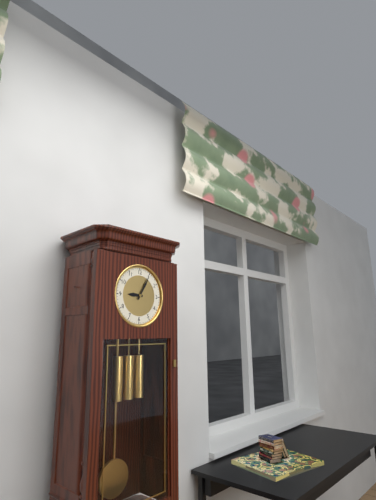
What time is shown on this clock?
9:05
